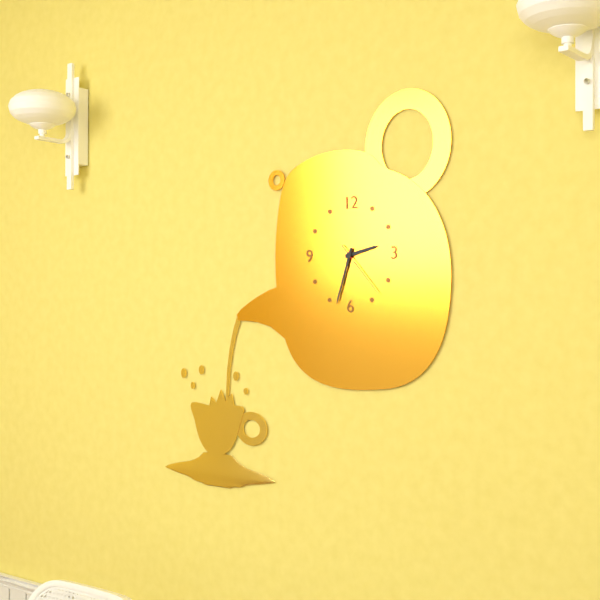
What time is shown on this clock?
2:33:23
